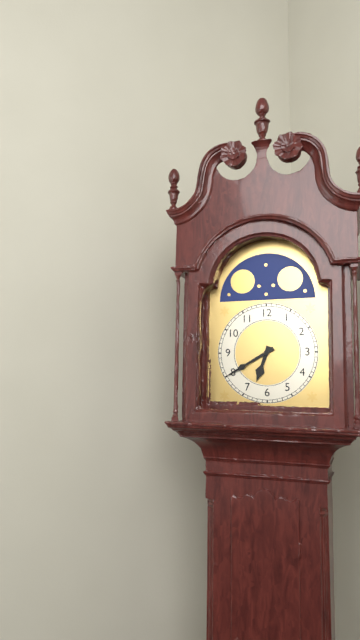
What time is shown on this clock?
6:40
